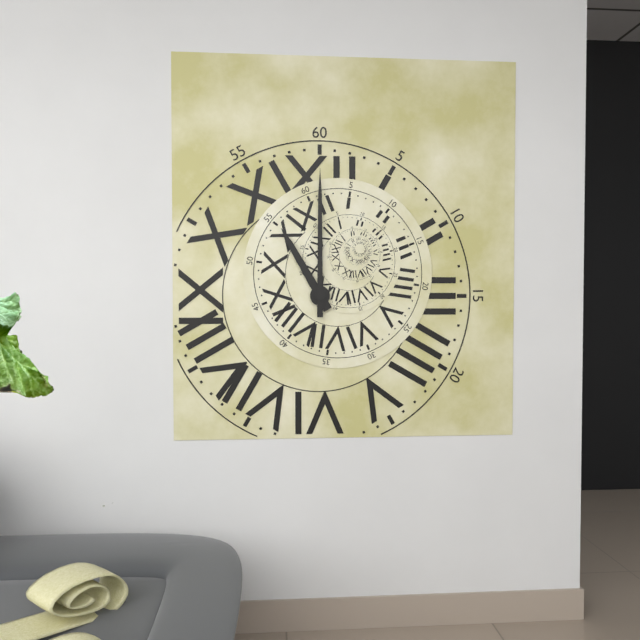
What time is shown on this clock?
11:00
